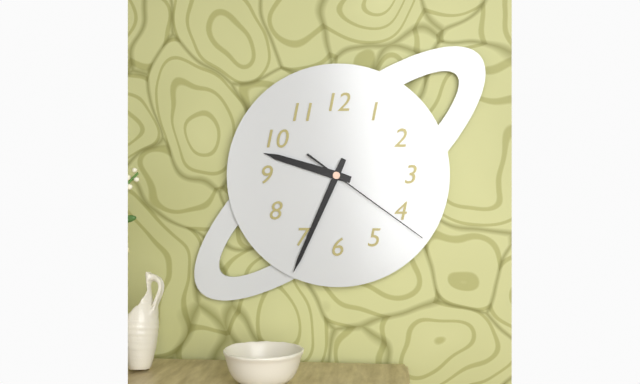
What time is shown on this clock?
9:34:21
